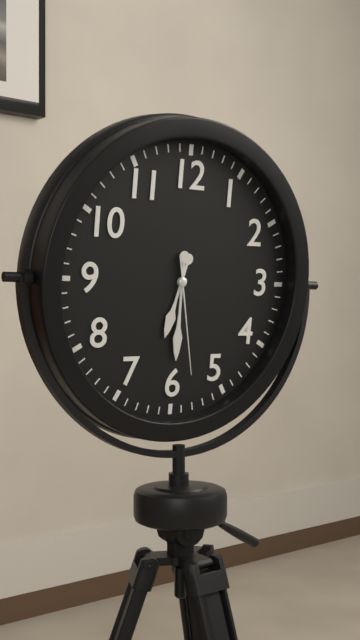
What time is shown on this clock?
6:30:28
